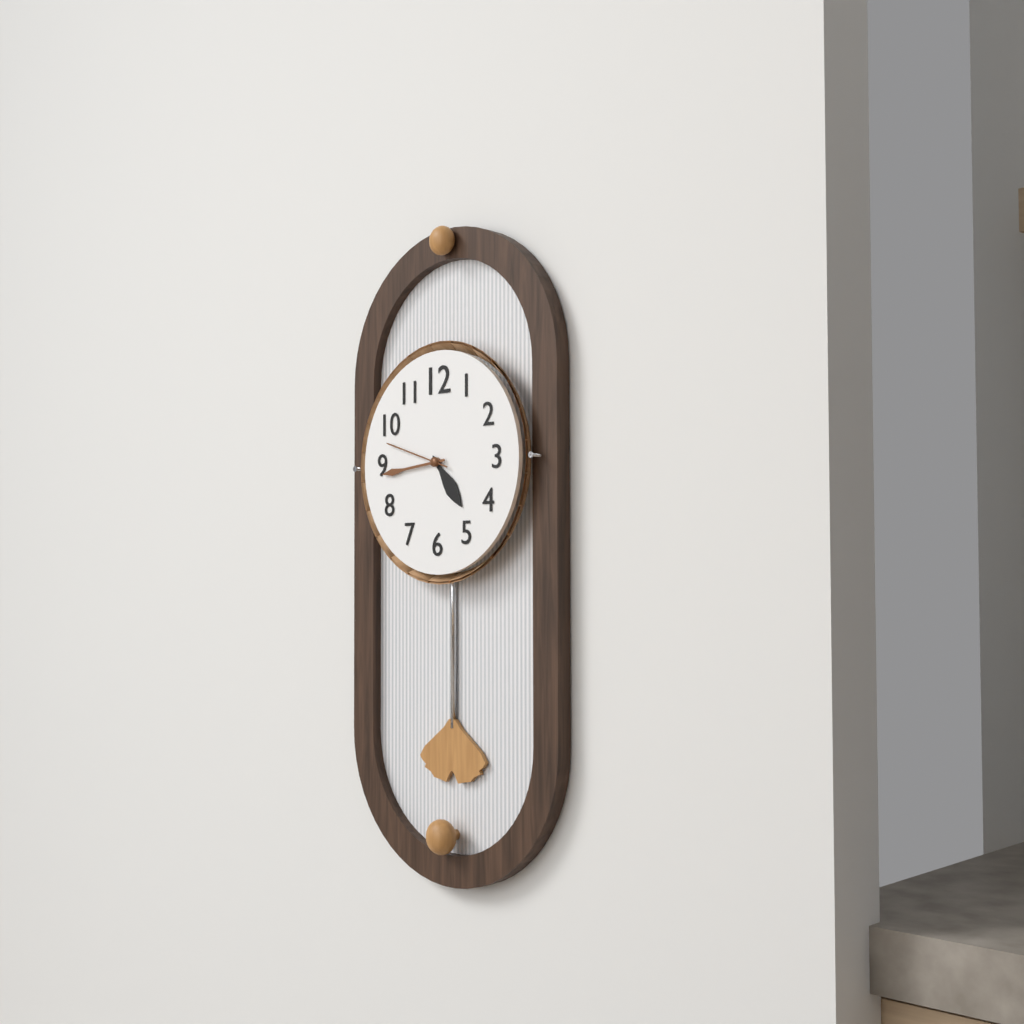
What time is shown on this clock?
4:44:48
